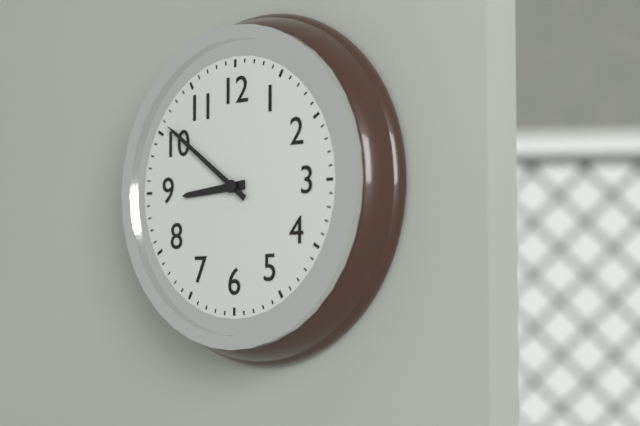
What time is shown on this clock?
8:51
